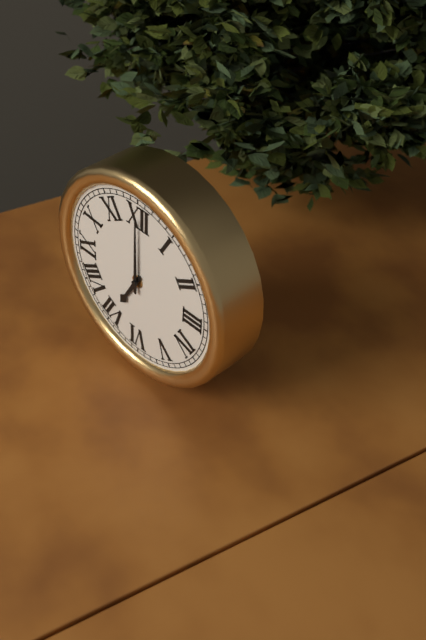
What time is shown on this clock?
7:00
